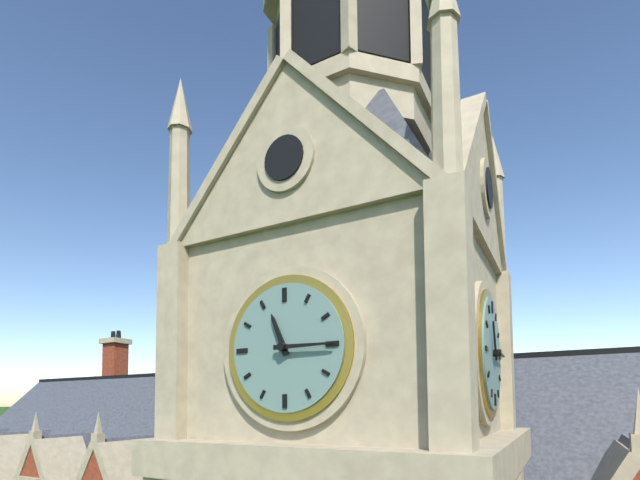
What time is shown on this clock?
11:15
